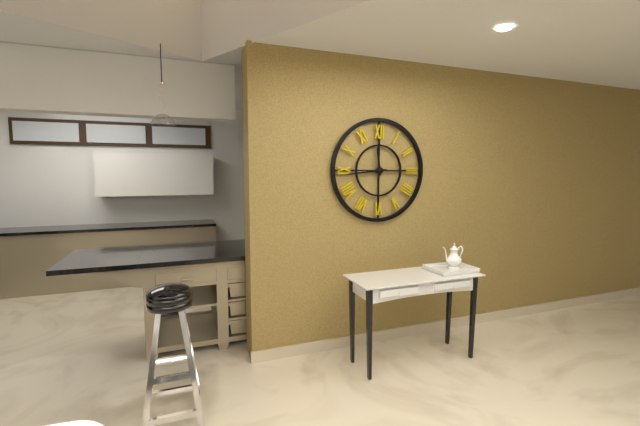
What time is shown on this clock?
11:44
